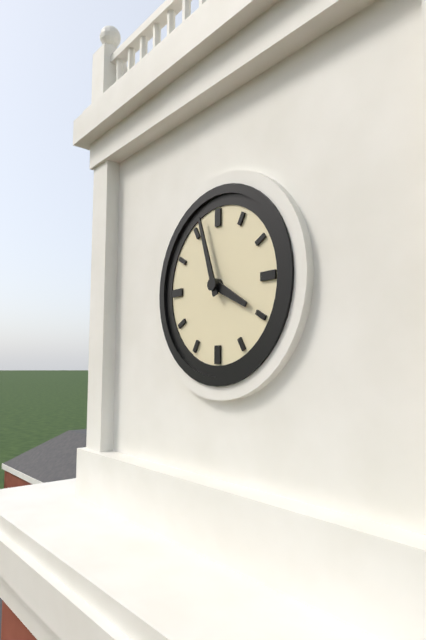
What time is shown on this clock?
3:57
